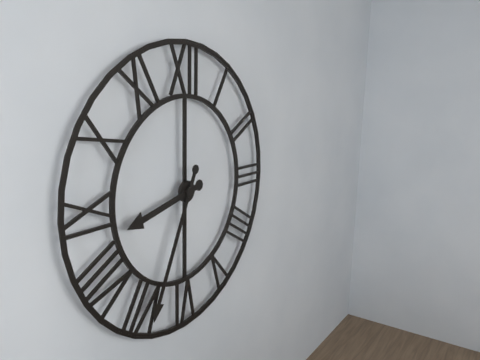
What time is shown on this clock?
8:34
